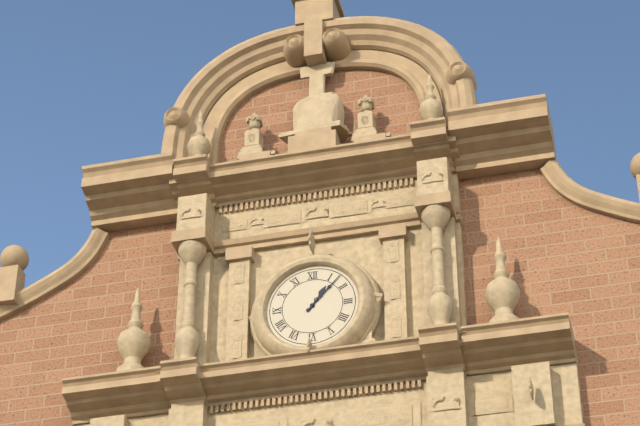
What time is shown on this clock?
1:07
